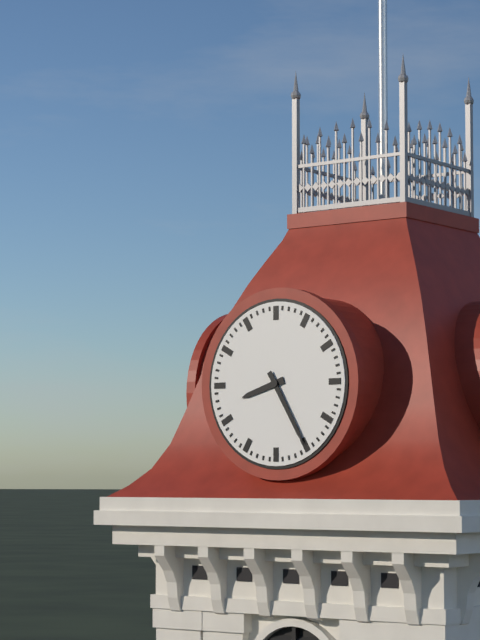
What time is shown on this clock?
8:25
